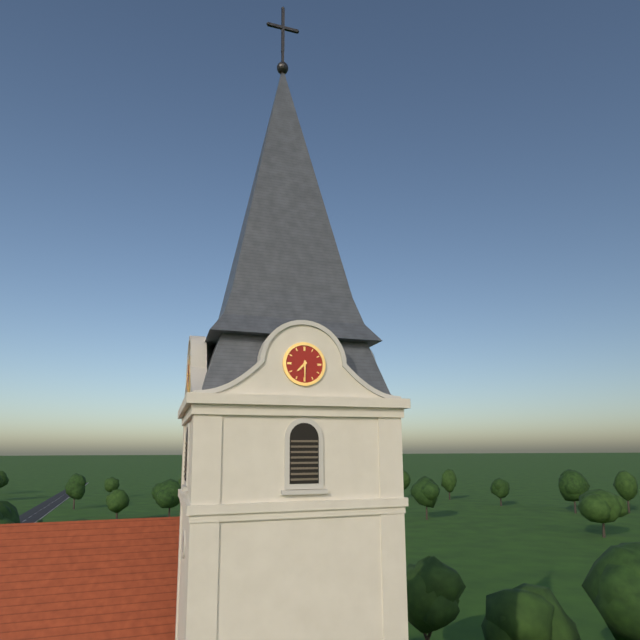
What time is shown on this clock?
7:30
